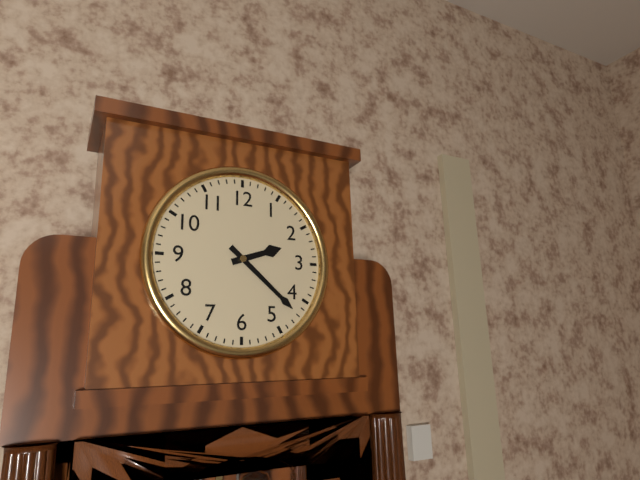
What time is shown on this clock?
2:22
